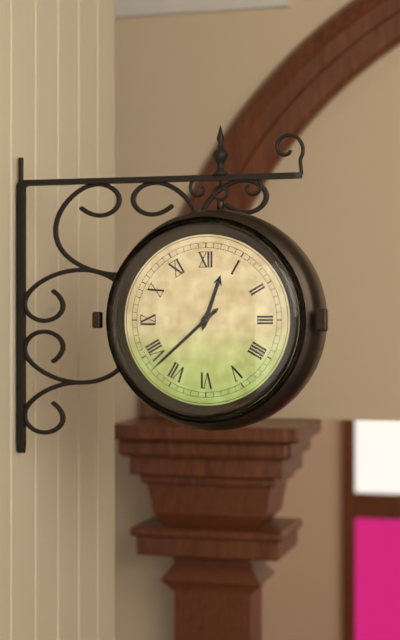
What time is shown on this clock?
12:38
